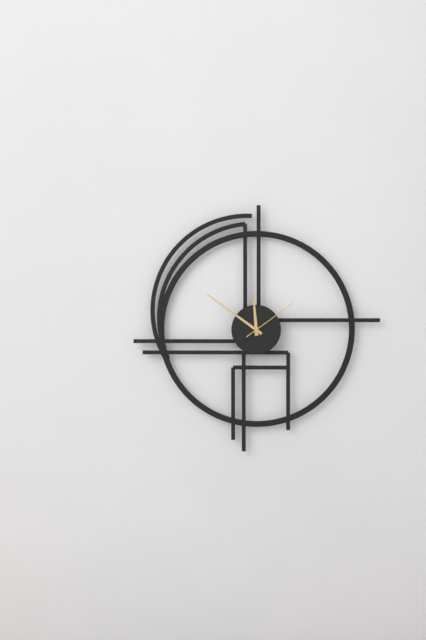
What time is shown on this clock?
11:51:09
